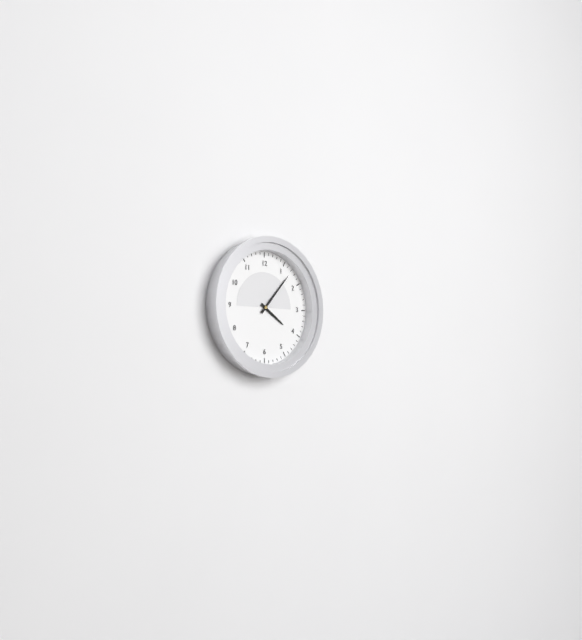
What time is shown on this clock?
4:07
